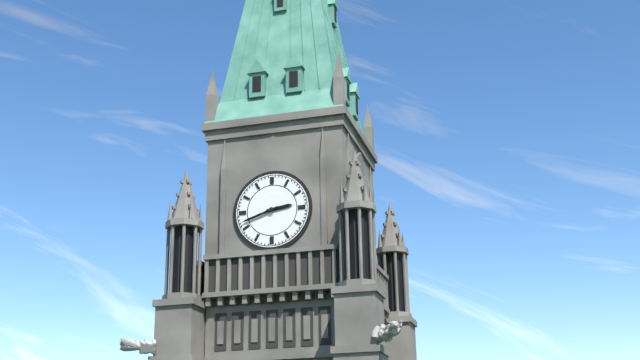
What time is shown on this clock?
2:42
